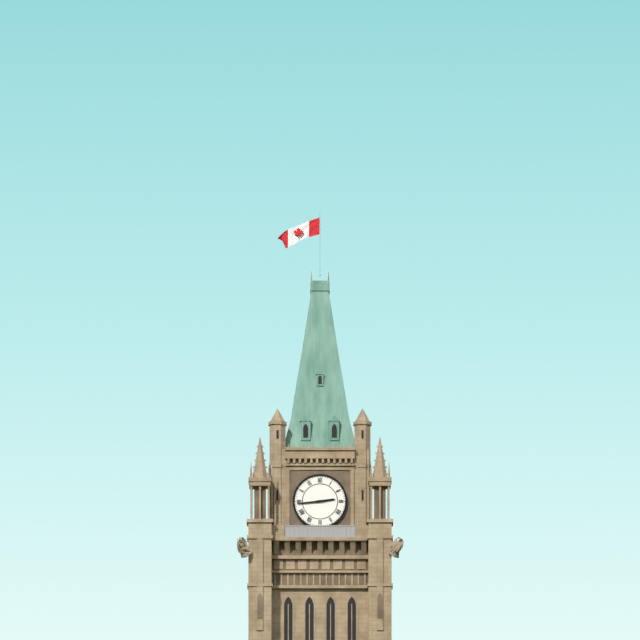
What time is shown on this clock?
2:44
